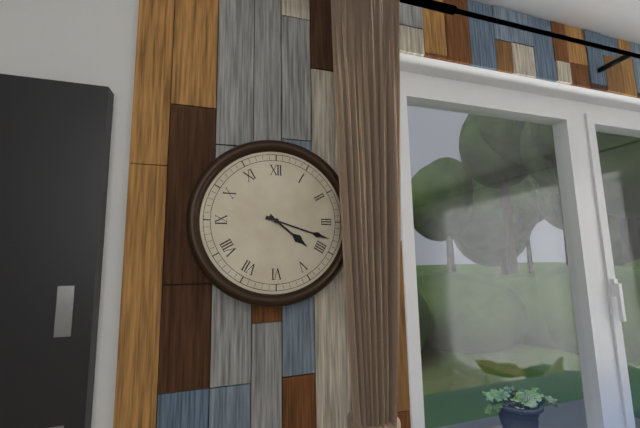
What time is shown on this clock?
4:18
